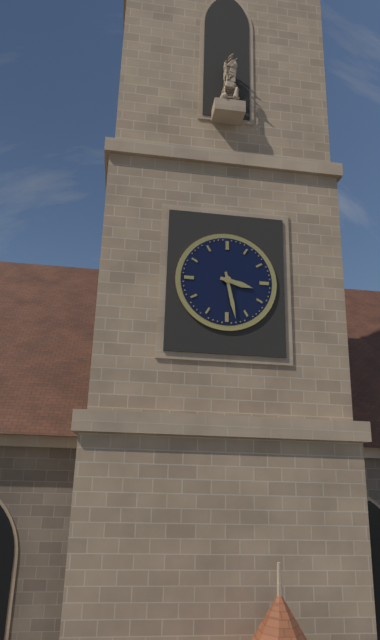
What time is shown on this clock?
3:28
